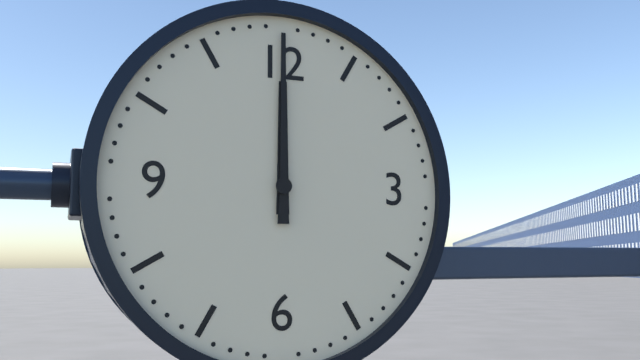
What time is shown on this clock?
12:00
